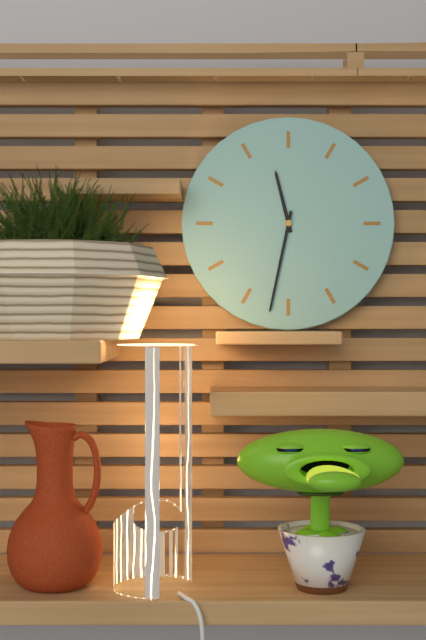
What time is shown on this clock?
11:32
